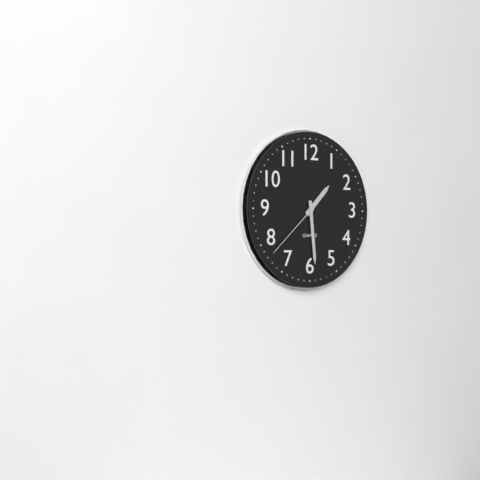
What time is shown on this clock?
1:29:38
